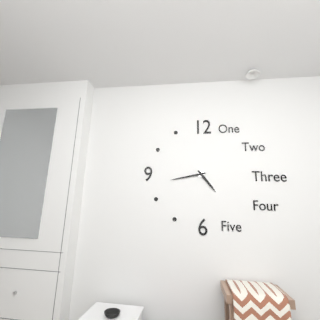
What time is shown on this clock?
4:43
